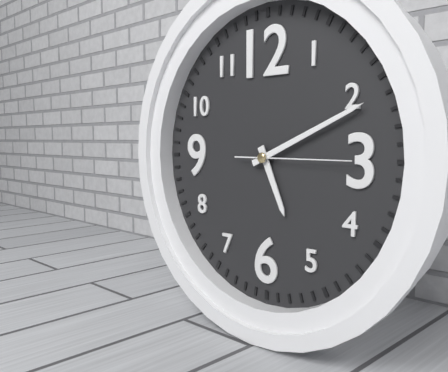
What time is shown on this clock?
5:11:15
